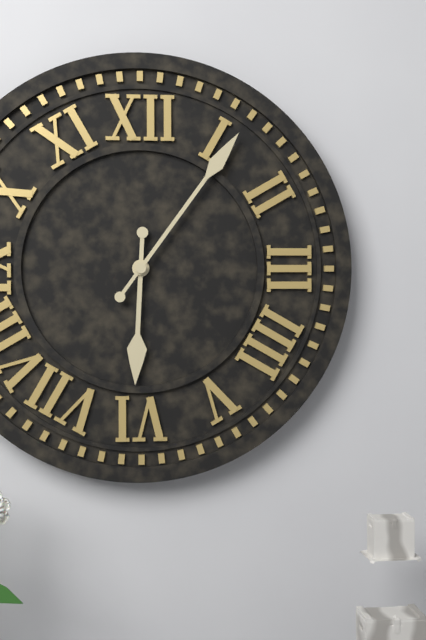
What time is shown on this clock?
6:06
